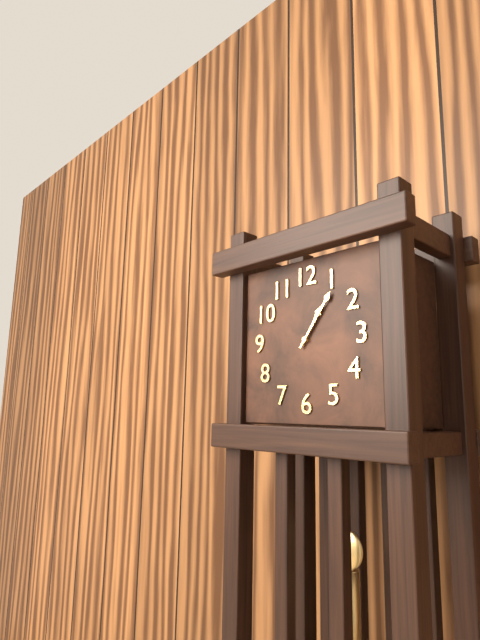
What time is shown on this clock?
1:06
